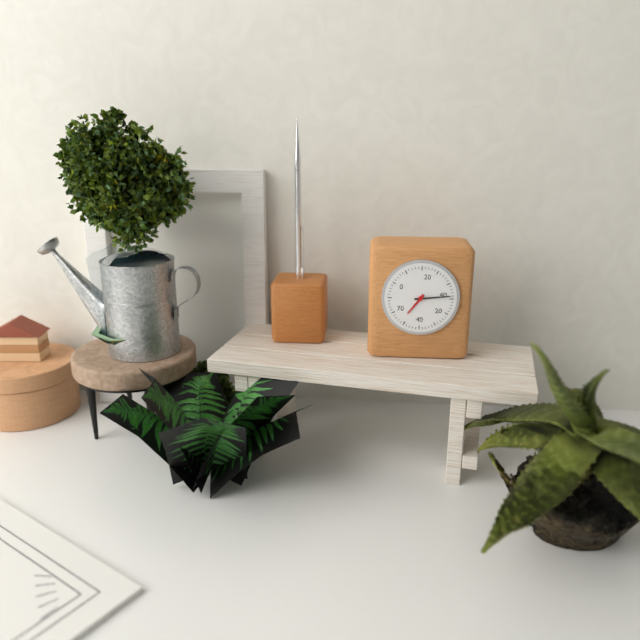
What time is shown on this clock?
7:14
